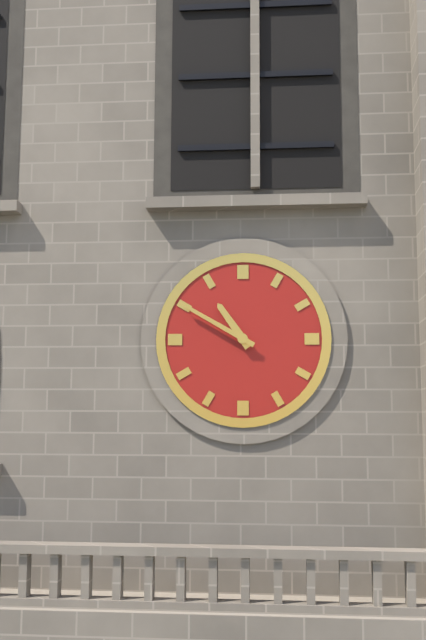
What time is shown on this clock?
10:50
